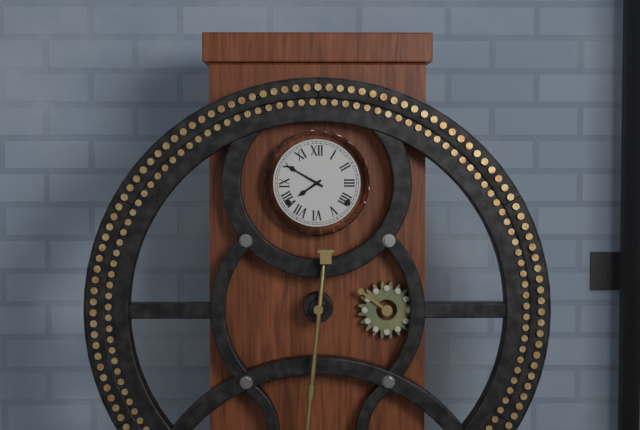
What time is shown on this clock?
7:50
